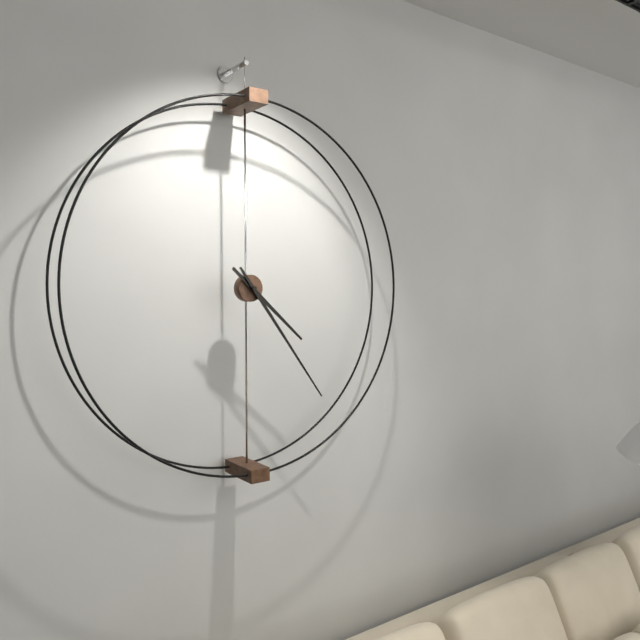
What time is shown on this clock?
4:24
